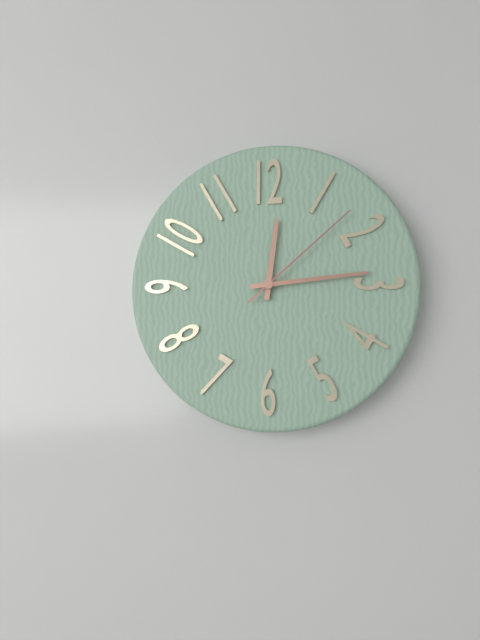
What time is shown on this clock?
12:14:08
